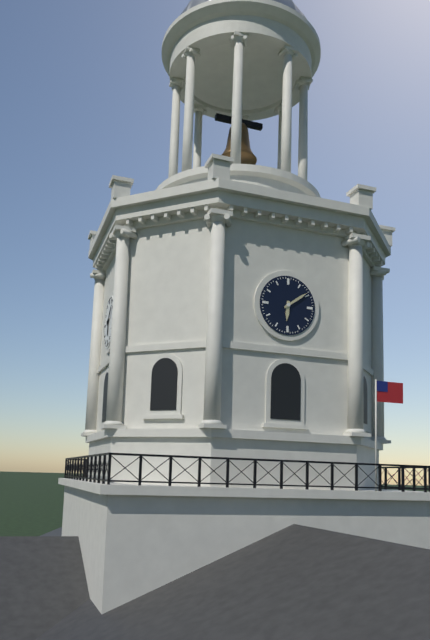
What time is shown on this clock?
6:09
